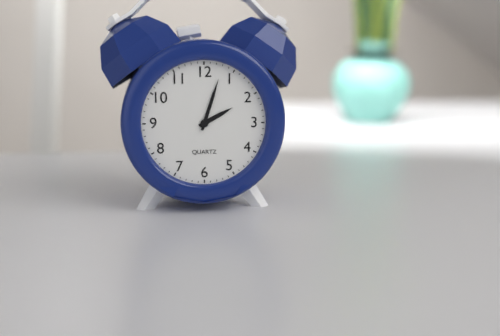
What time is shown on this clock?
2:03
